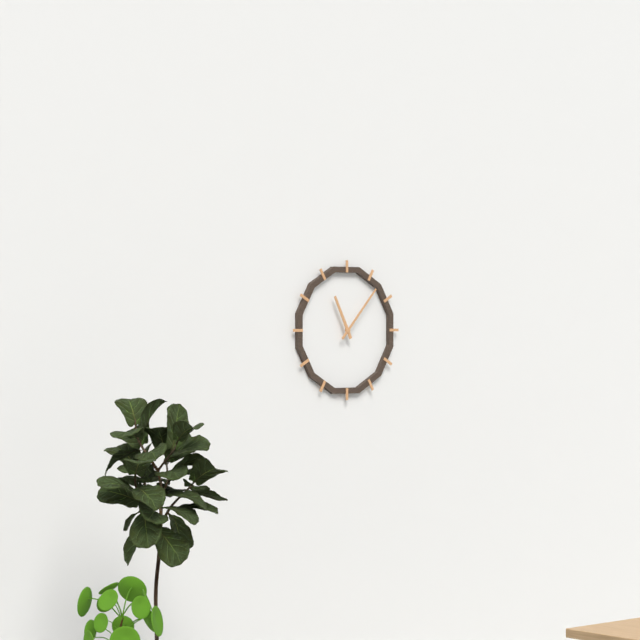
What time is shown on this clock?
11:07
